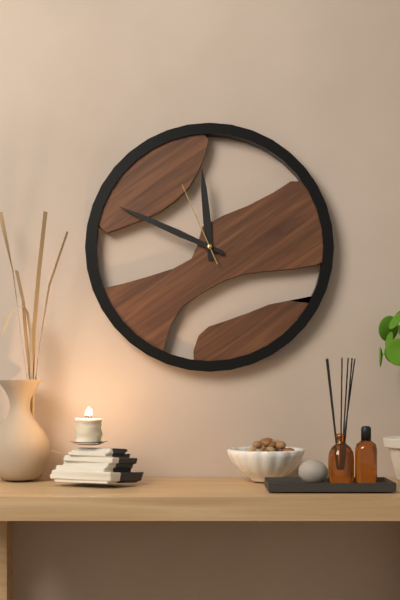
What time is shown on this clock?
11:49:56
